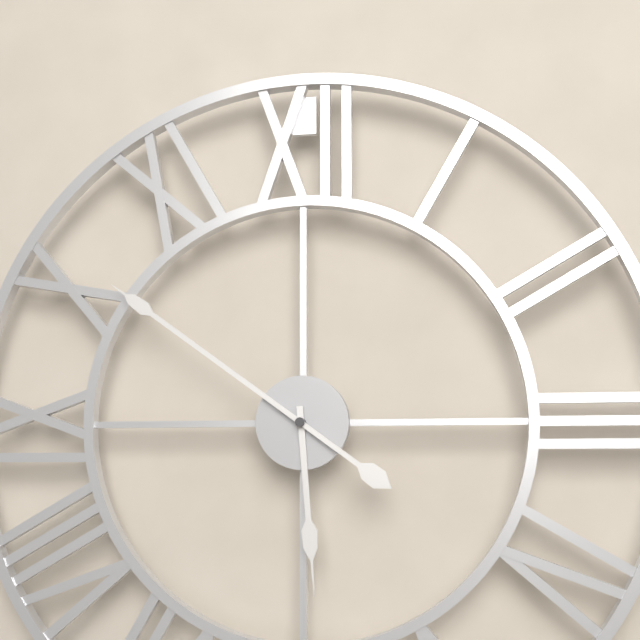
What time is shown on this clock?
5:51
